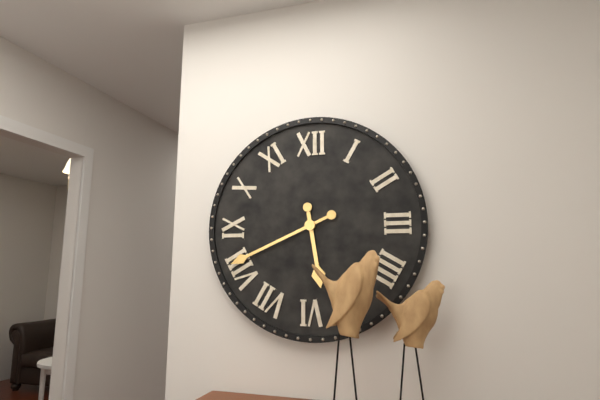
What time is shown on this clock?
5:41
